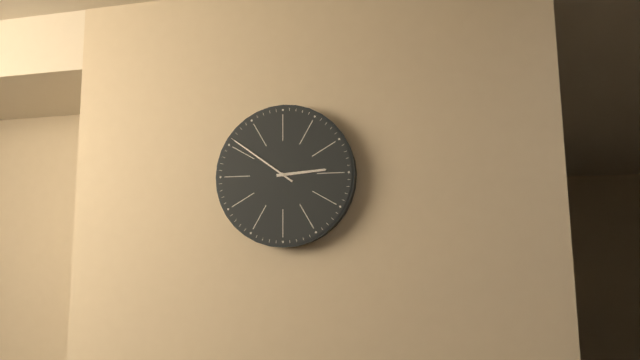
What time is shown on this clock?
2:51
